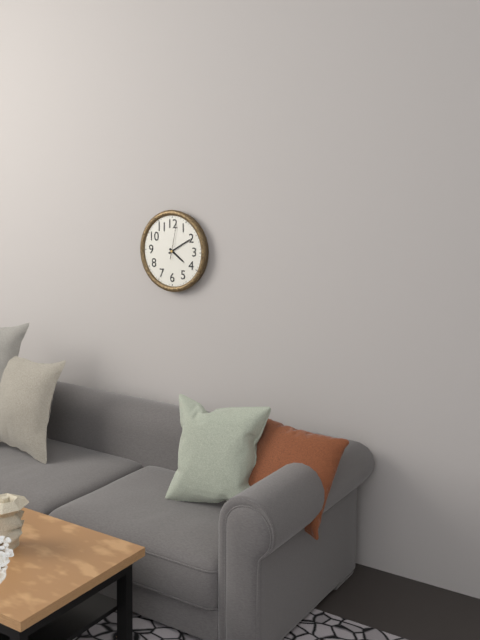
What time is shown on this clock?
4:10
